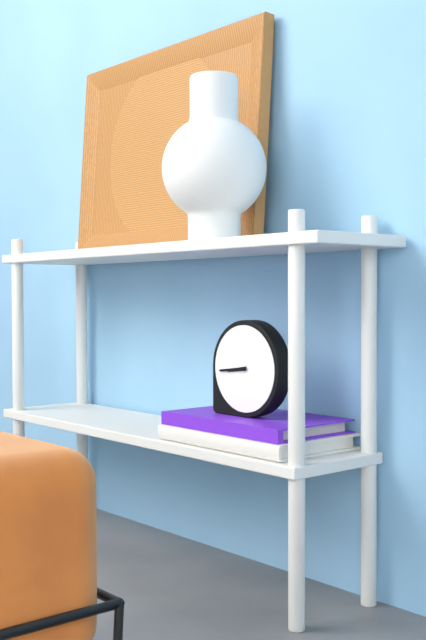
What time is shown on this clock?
8:44
